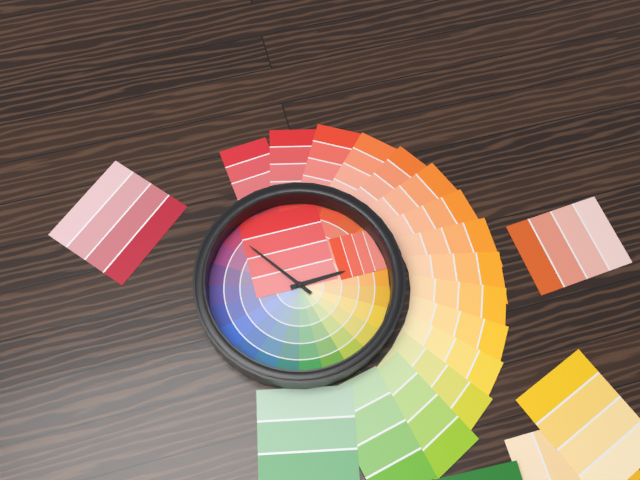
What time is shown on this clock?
2:54
